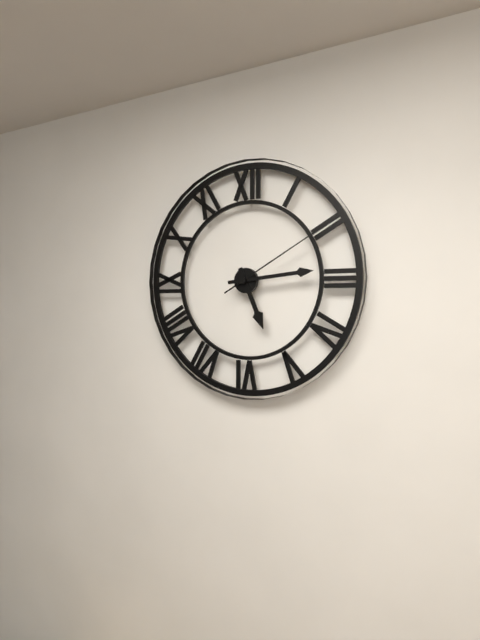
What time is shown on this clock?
5:14:10
